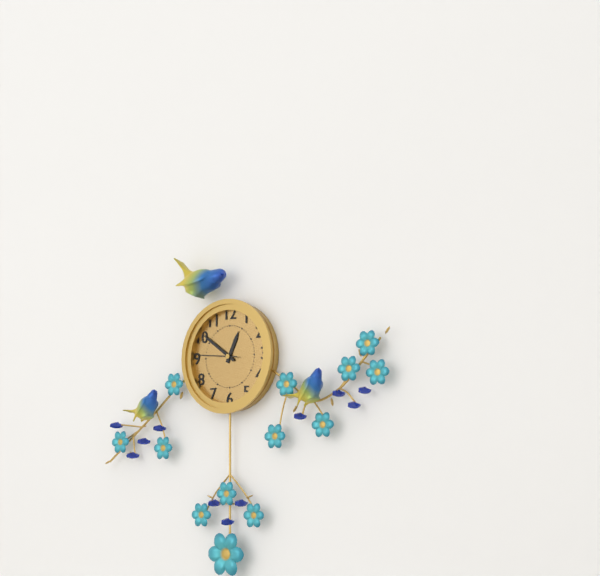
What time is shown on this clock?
12:51
